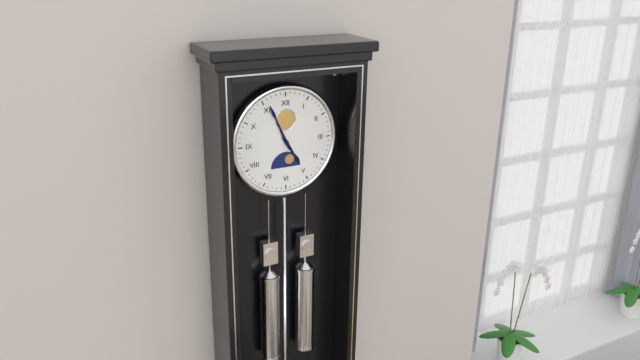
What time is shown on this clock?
4:56
